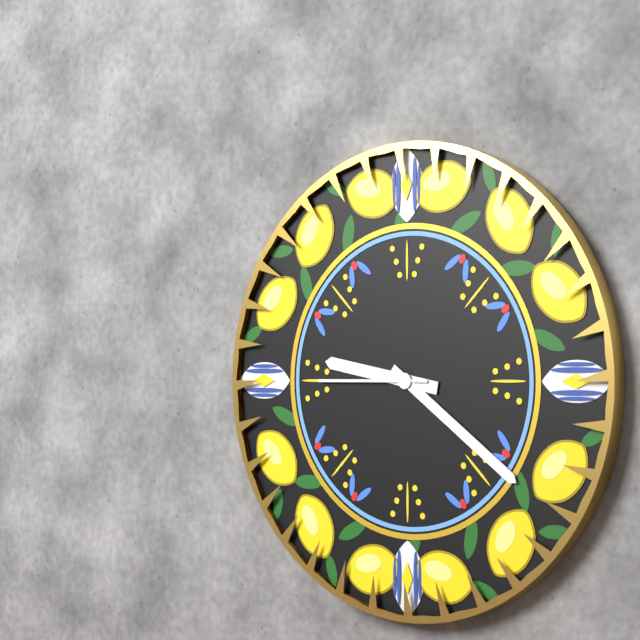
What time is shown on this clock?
9:21:45
